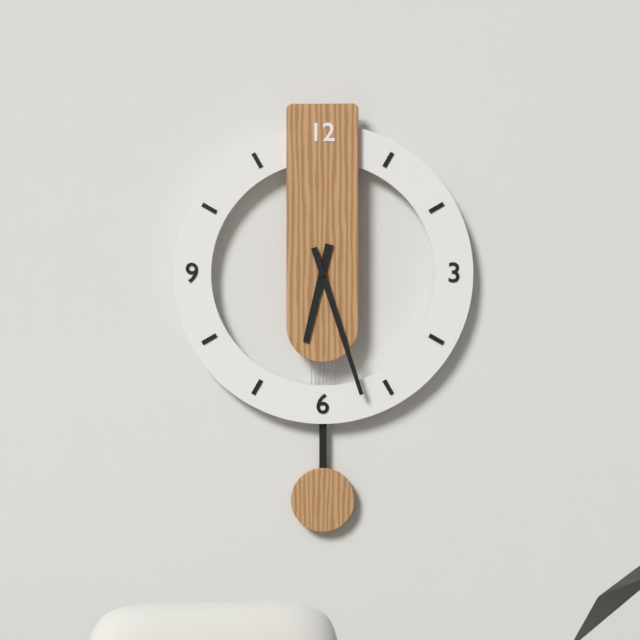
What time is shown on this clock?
6:27
